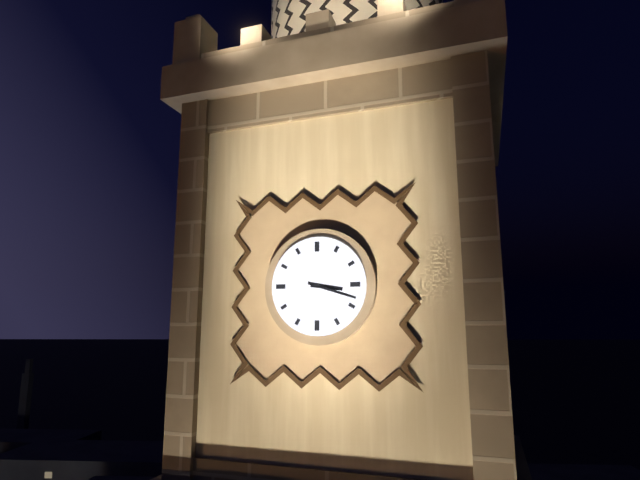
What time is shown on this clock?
3:18
